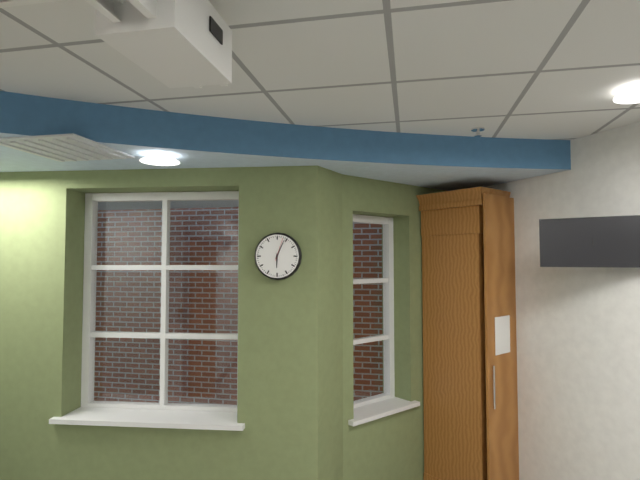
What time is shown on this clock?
6:04
